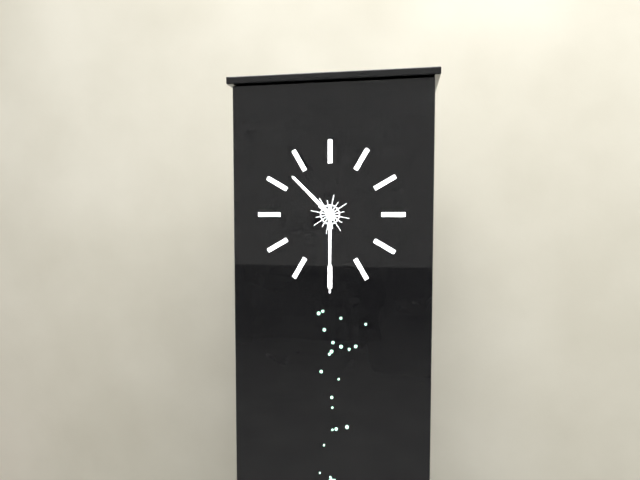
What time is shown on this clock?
10:30
